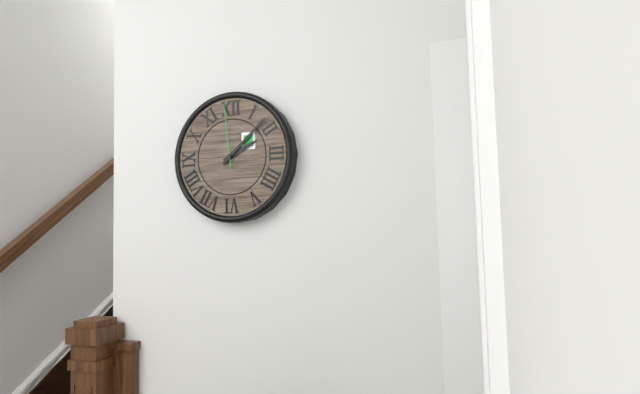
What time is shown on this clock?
2:08:59
